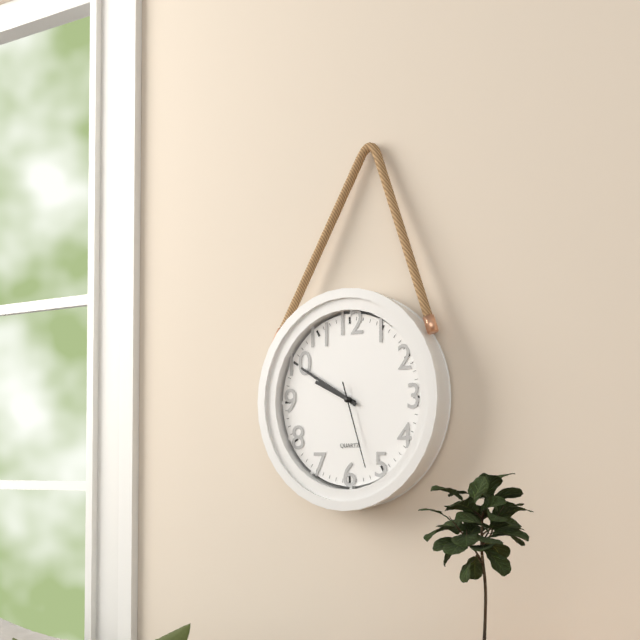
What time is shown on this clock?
9:50:27
